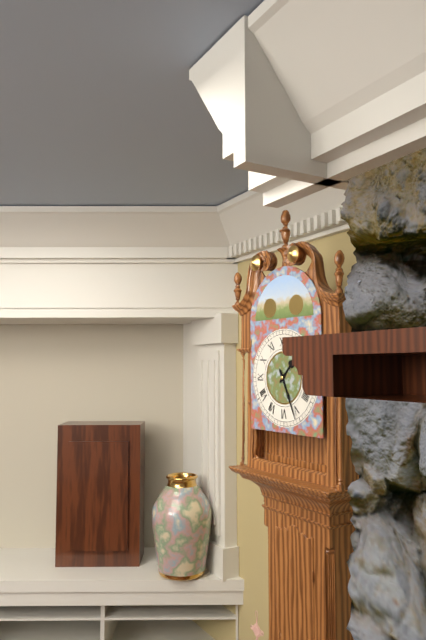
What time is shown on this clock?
1:26
